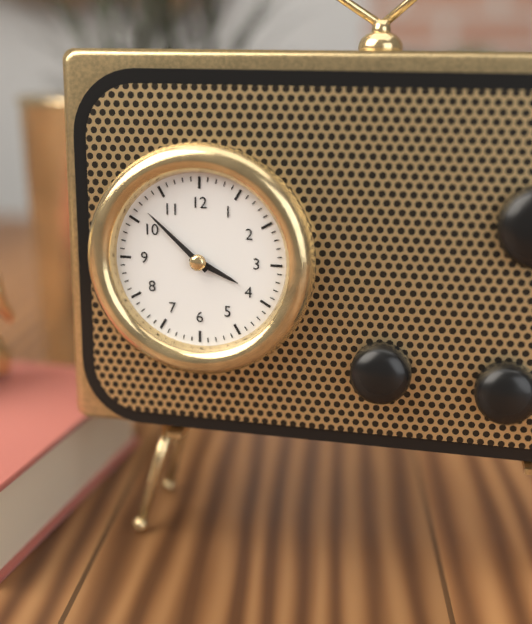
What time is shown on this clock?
3:52
